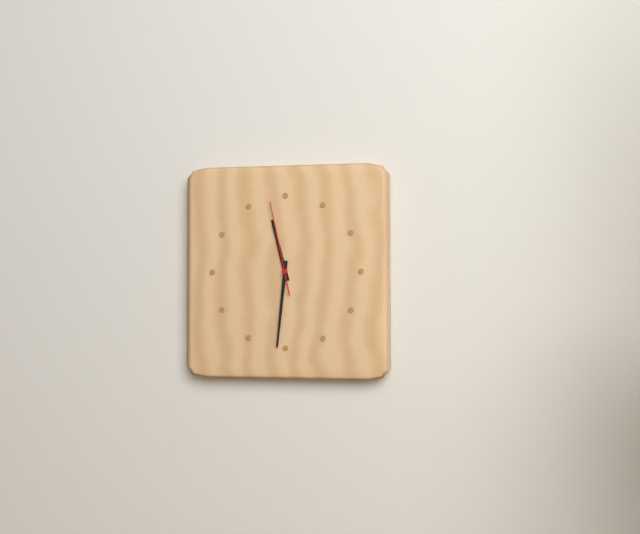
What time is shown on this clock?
11:31:58
